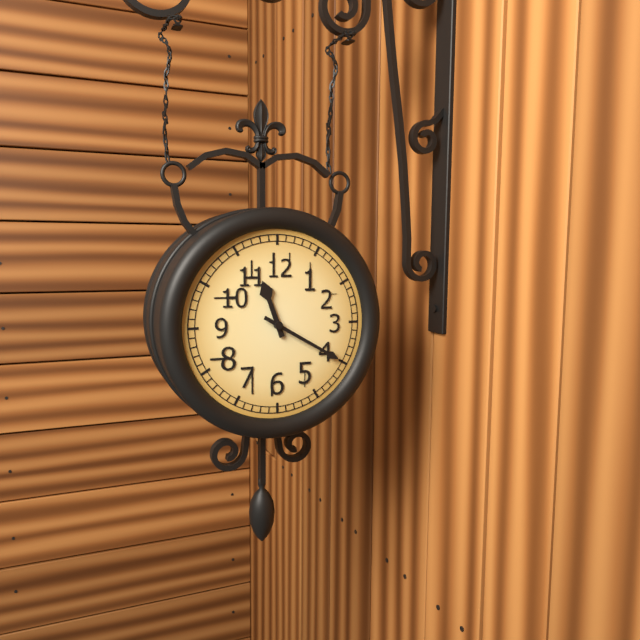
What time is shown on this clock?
11:20
